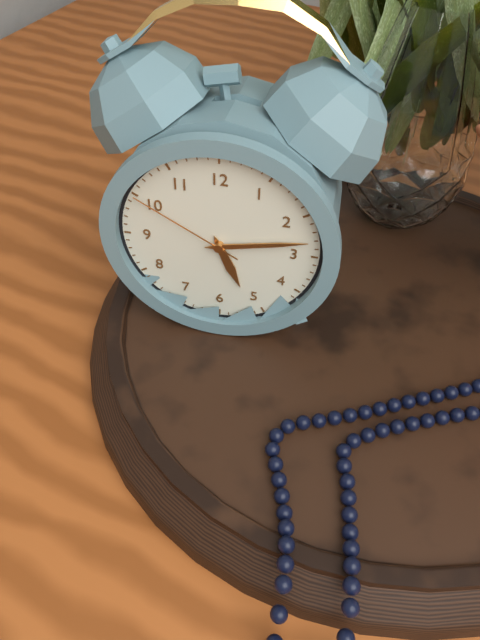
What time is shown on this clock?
5:13:50
